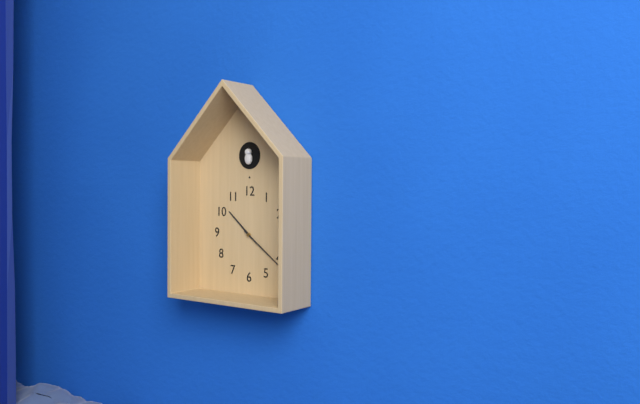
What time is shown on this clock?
10:21
